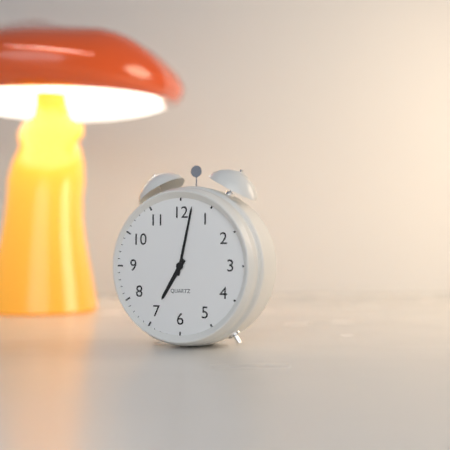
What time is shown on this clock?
7:02
